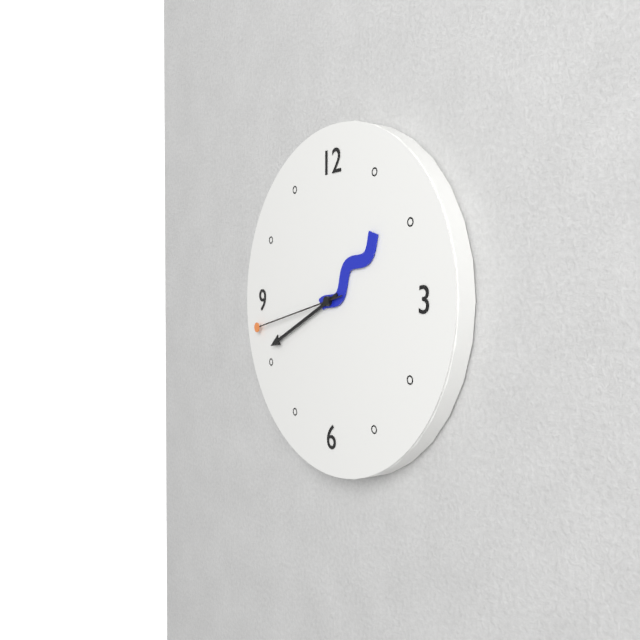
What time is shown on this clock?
1:41:43
